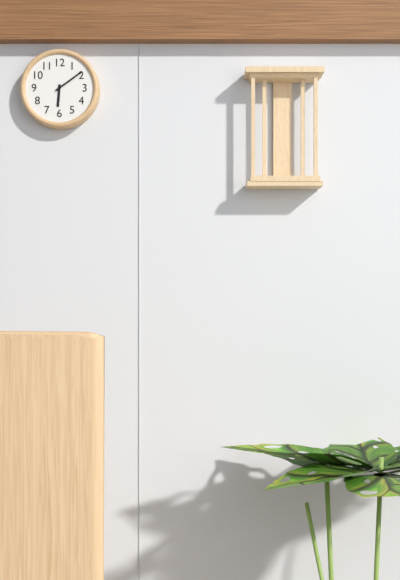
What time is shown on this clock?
6:09
